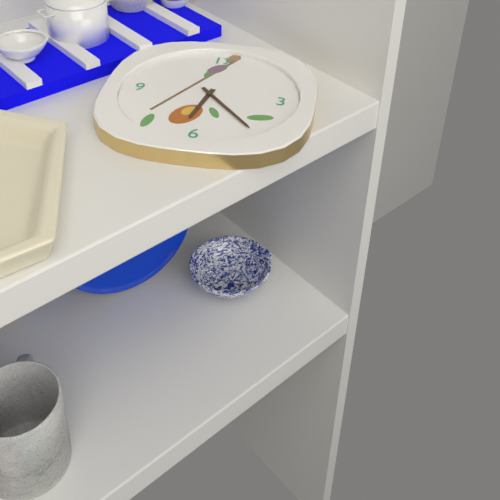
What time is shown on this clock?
6:23
